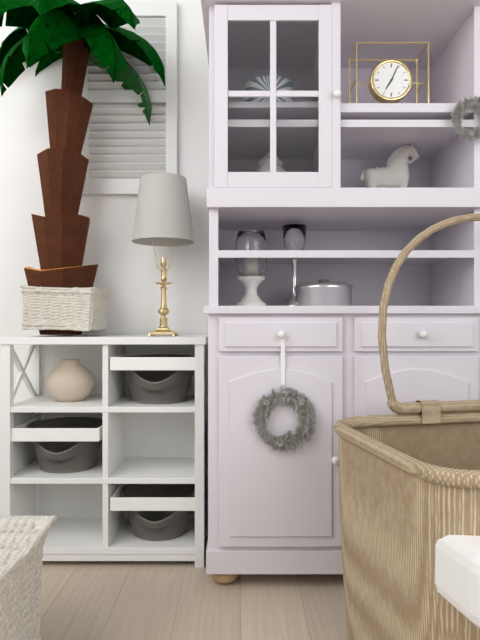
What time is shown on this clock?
7:04
